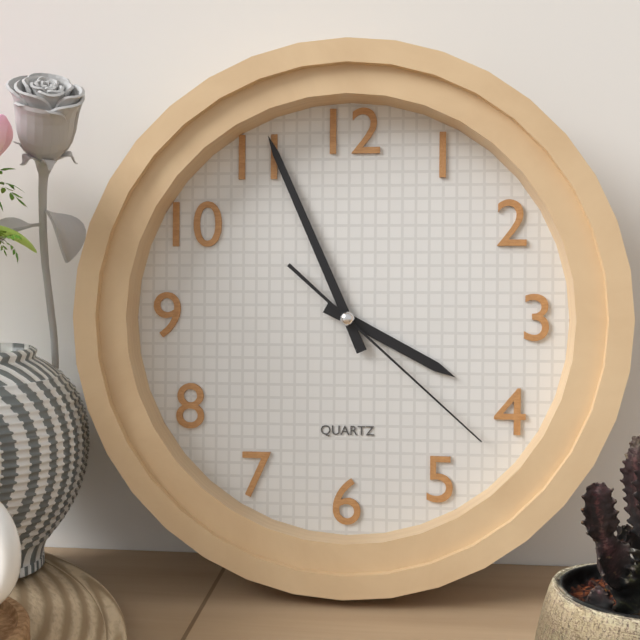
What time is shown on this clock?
3:56:22
